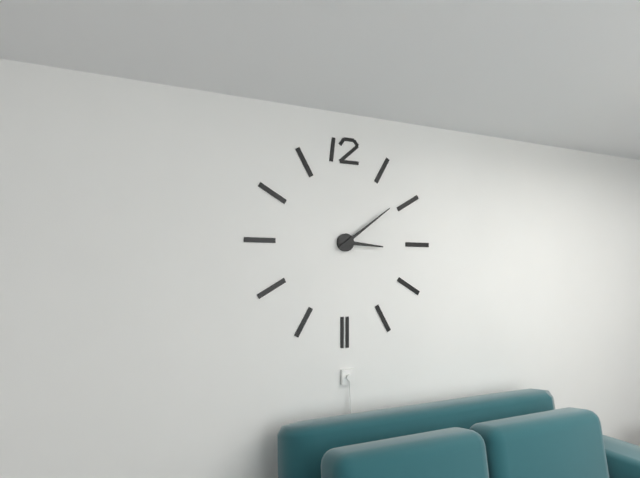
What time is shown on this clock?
3:09
